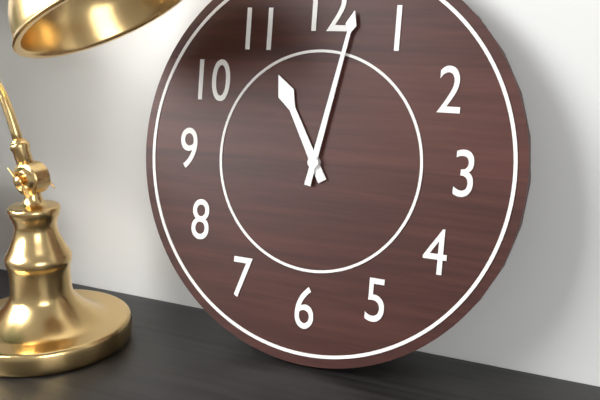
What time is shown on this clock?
11:02
